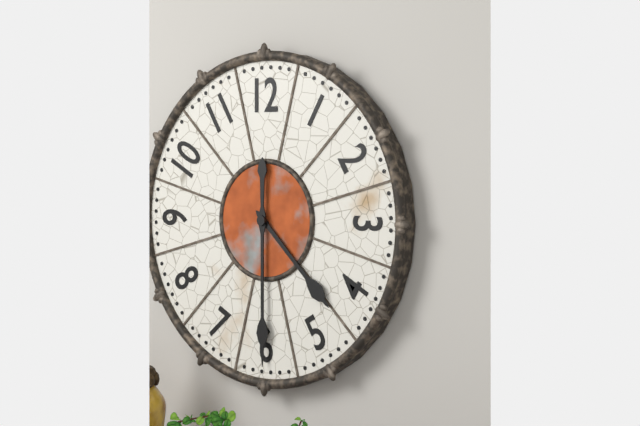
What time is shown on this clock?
4:30
